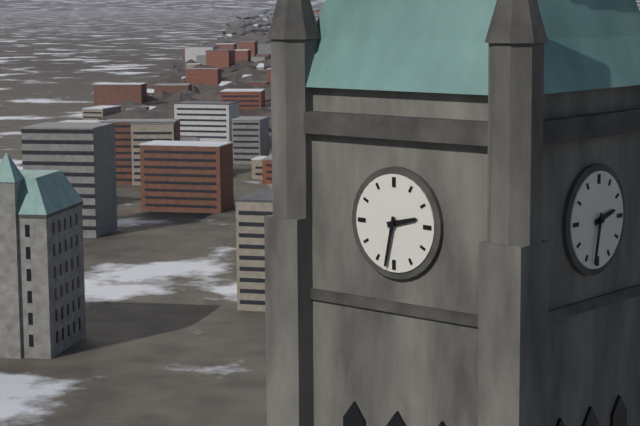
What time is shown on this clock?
2:32
